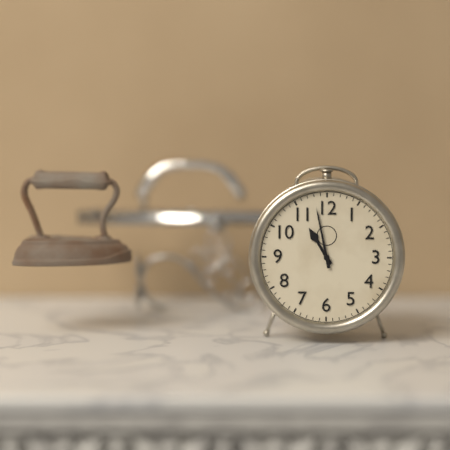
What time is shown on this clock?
10:58
